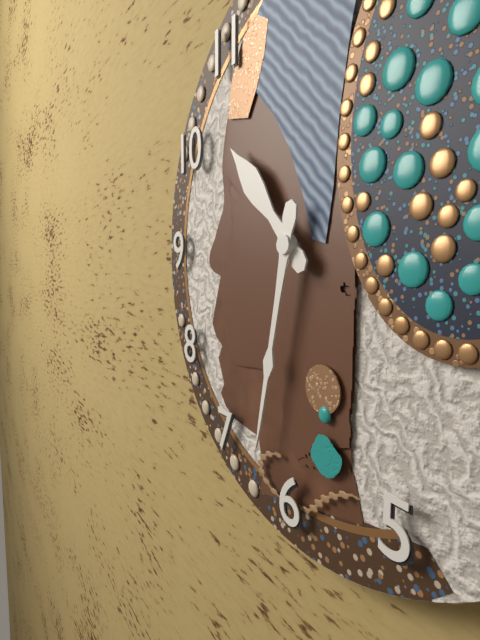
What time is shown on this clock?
10:32
